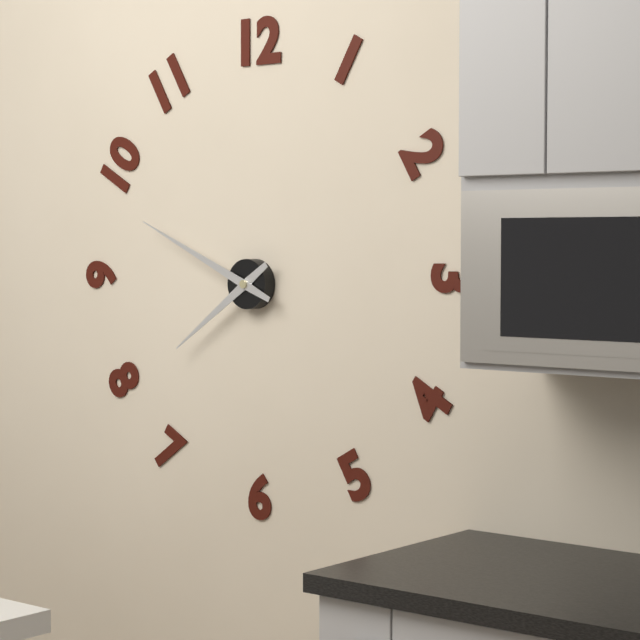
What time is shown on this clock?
7:49
